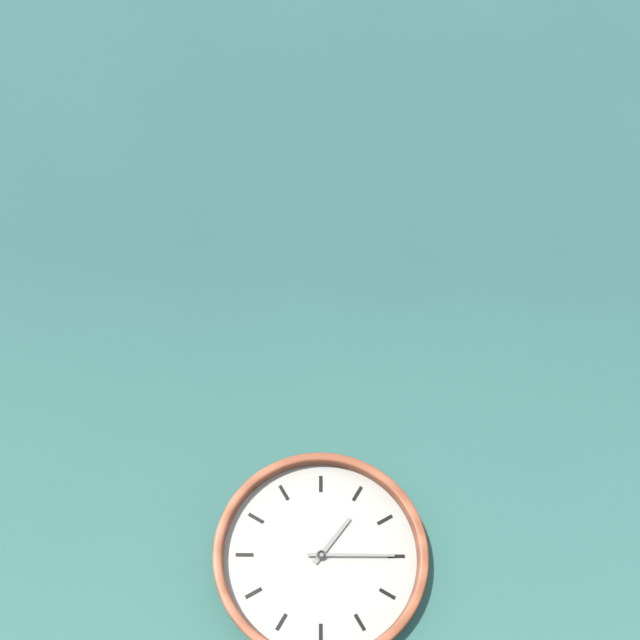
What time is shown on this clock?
1:15
